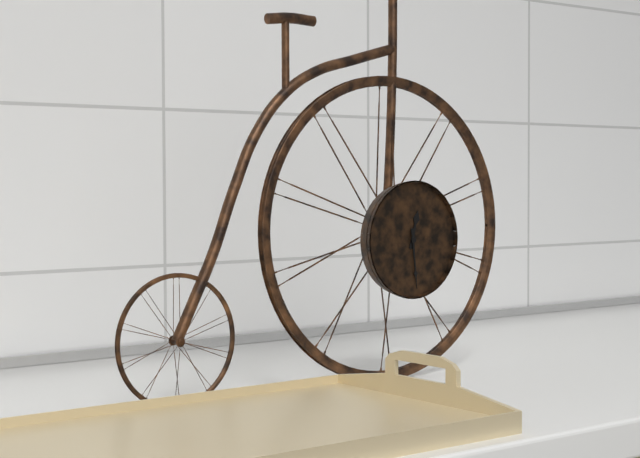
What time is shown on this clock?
12:29
